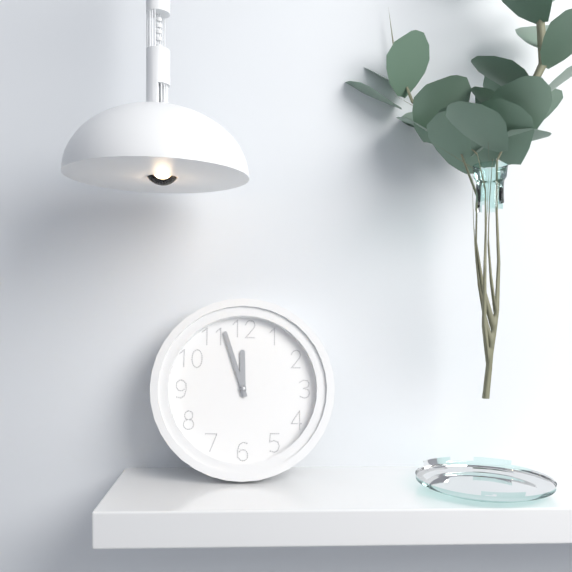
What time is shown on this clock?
11:57
